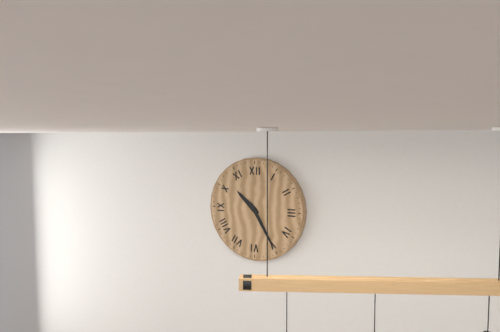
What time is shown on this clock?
10:25
